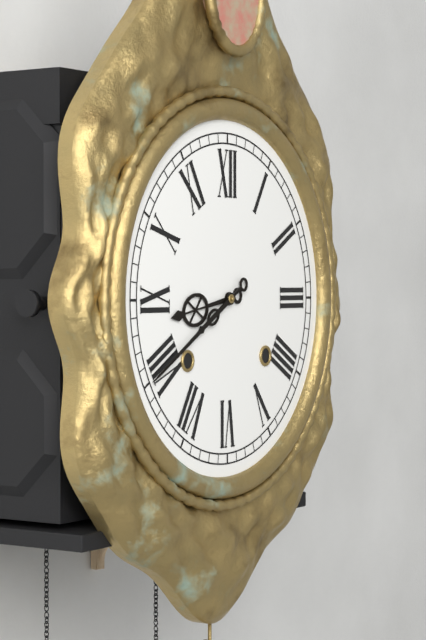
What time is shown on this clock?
8:40
